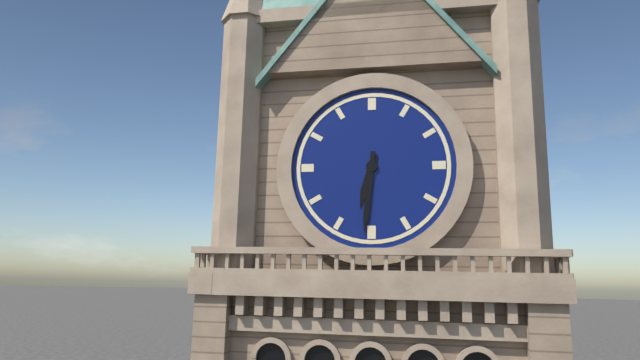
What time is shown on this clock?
6:31
